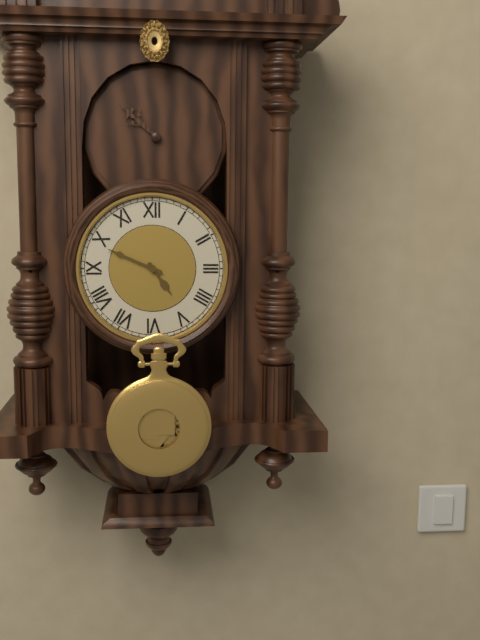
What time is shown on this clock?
4:49
